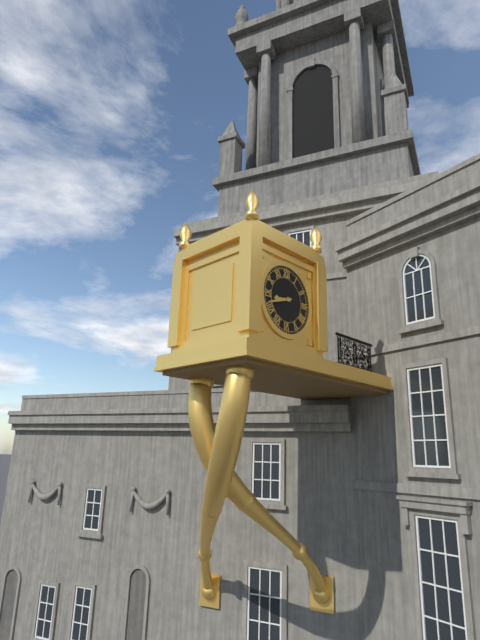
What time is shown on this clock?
8:42
